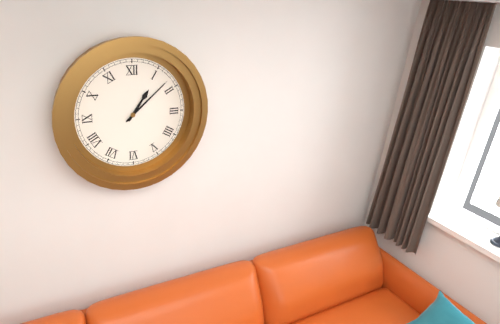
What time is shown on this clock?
1:08
